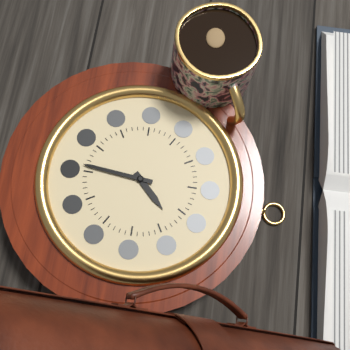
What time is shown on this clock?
1:31
